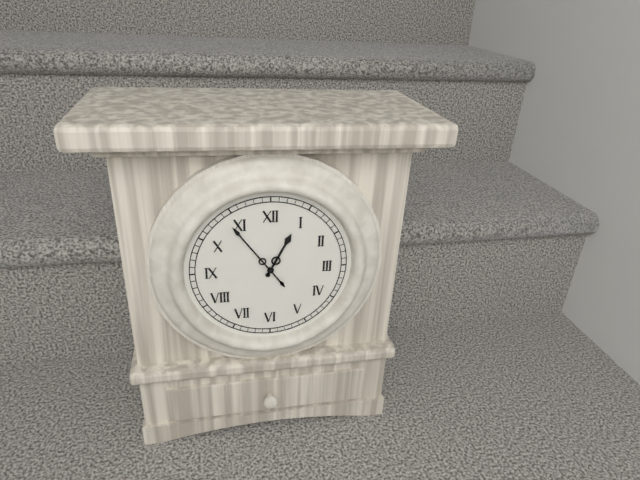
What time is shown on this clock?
12:54
